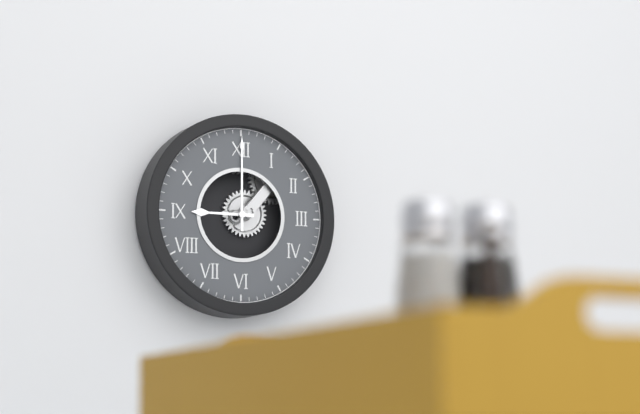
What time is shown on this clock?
9:00
